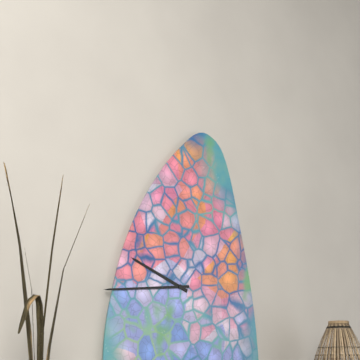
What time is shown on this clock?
9:44
